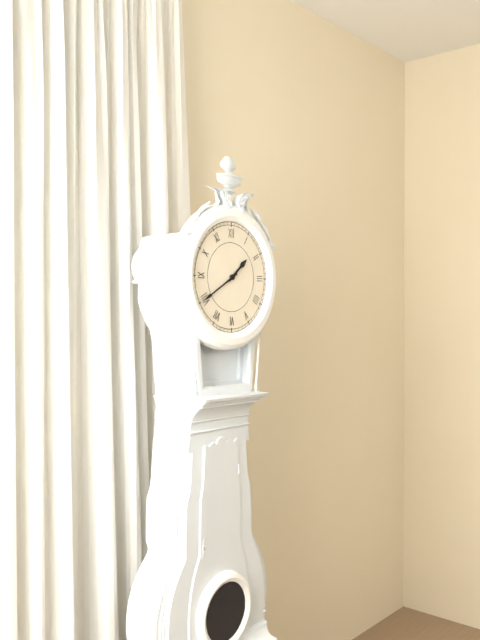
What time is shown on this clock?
1:40
